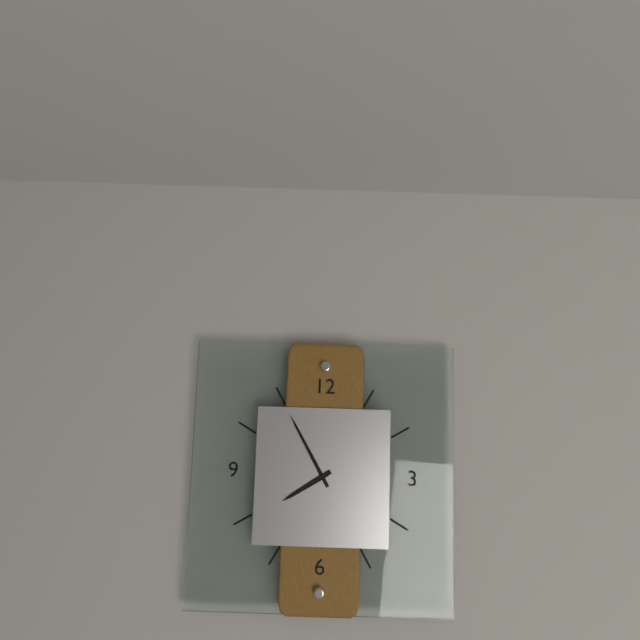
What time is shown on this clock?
7:55
